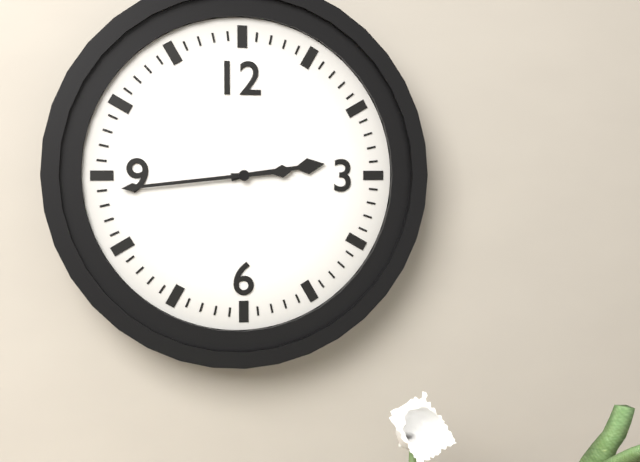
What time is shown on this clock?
2:44
